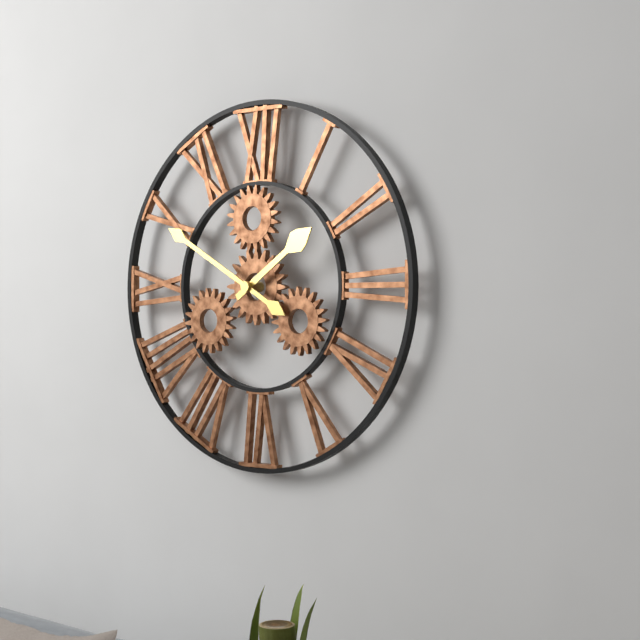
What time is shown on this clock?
1:50
